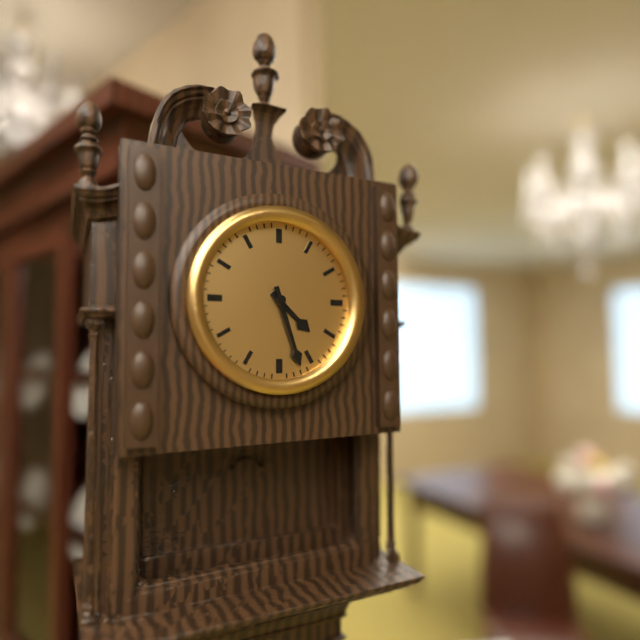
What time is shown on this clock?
4:27
